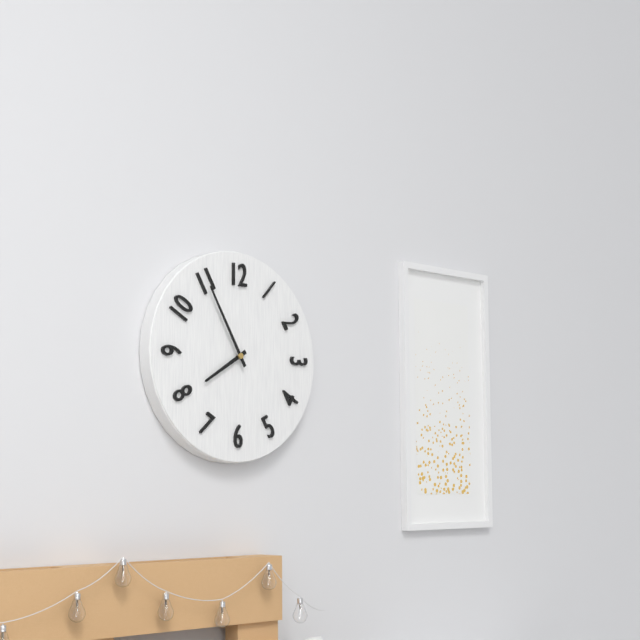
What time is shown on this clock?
7:55
